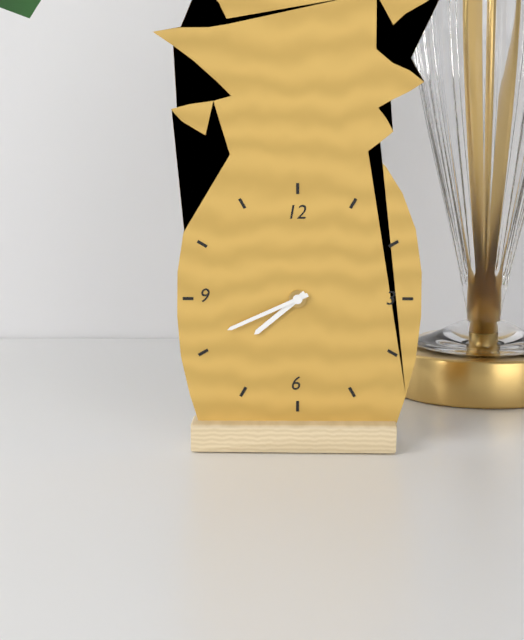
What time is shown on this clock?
7:41
